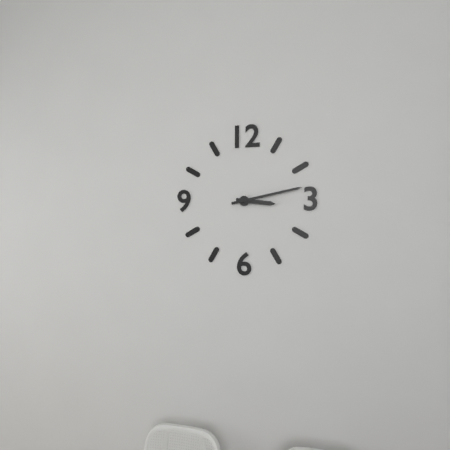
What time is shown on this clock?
3:13
